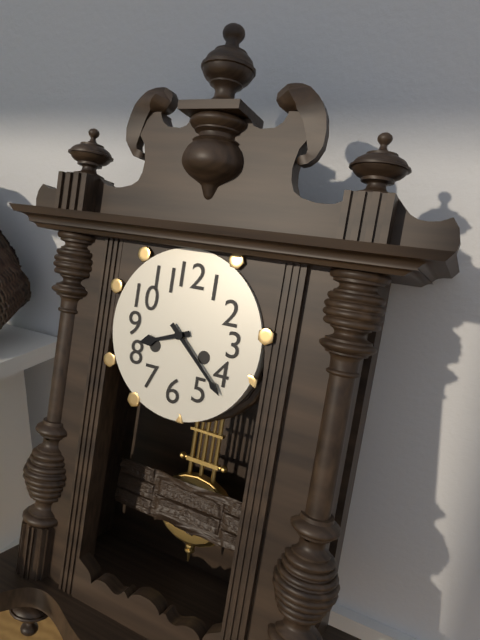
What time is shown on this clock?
8:22
